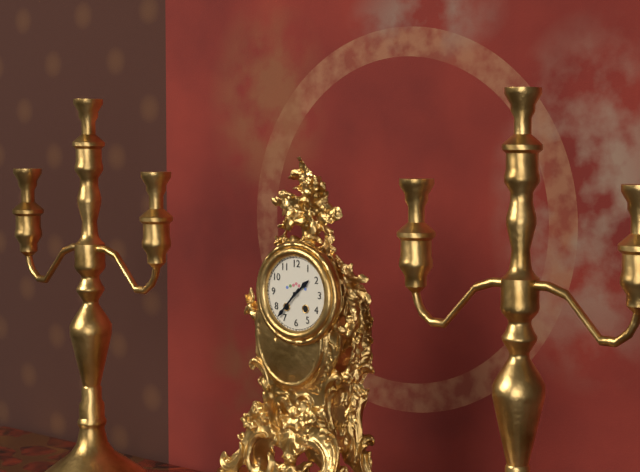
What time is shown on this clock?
1:37
